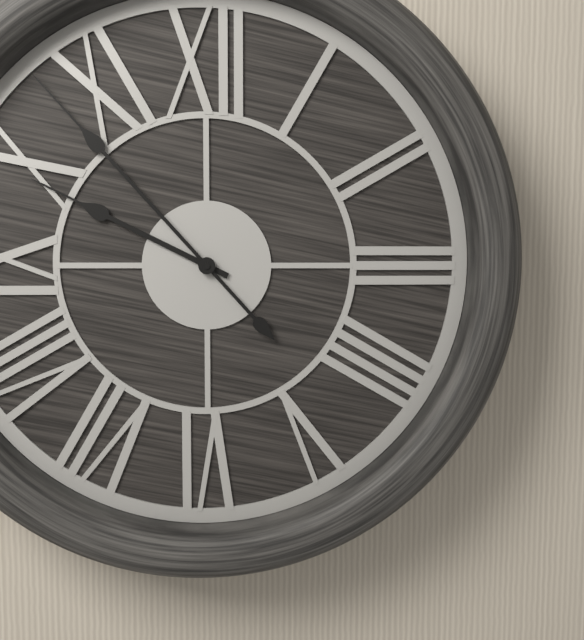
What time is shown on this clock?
9:53
